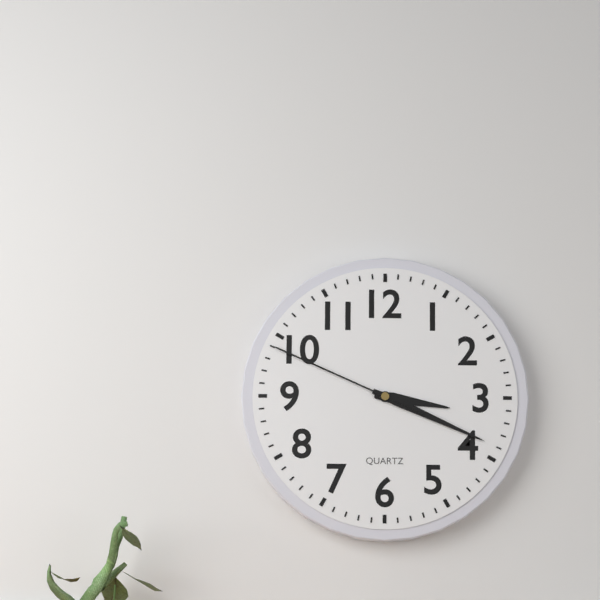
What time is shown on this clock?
3:19:49
